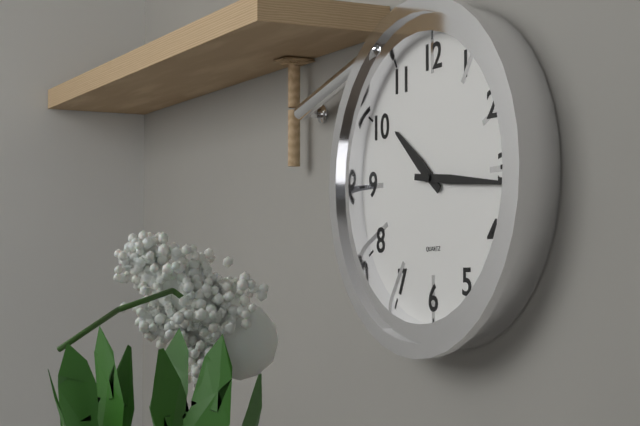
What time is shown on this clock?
10:16
